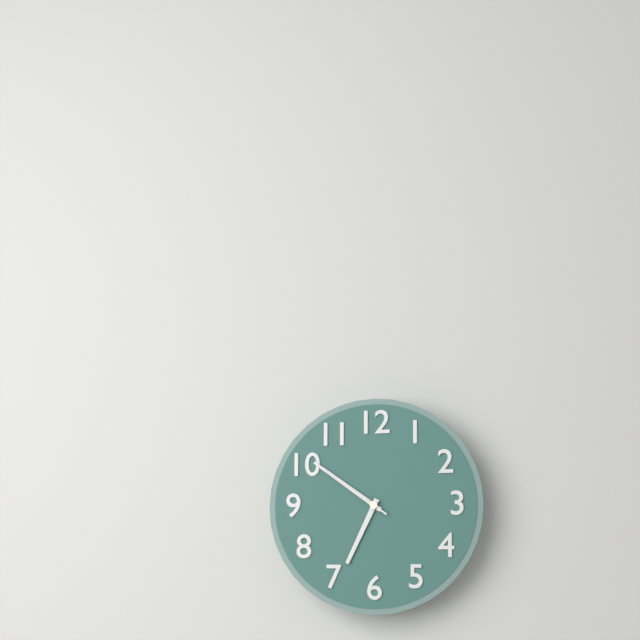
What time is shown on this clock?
6:51:51
